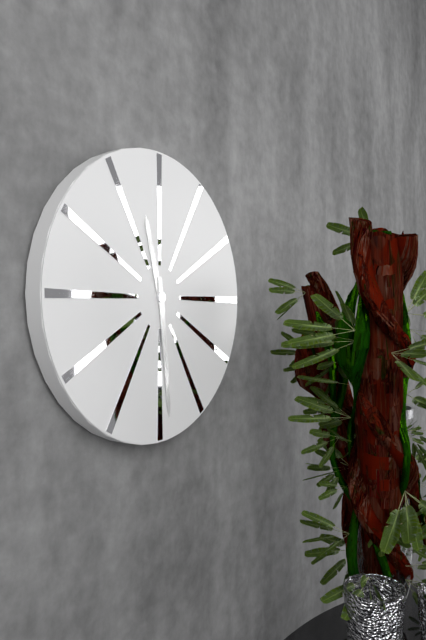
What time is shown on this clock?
11:29
